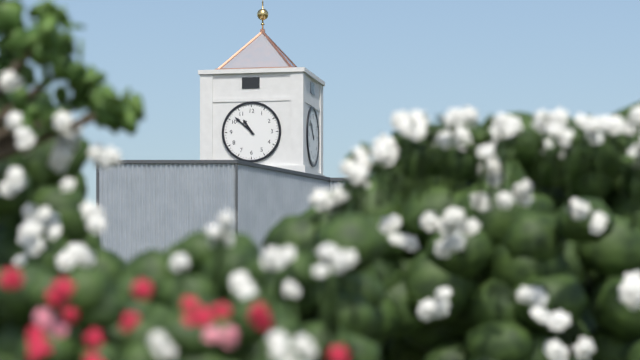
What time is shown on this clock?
10:52
